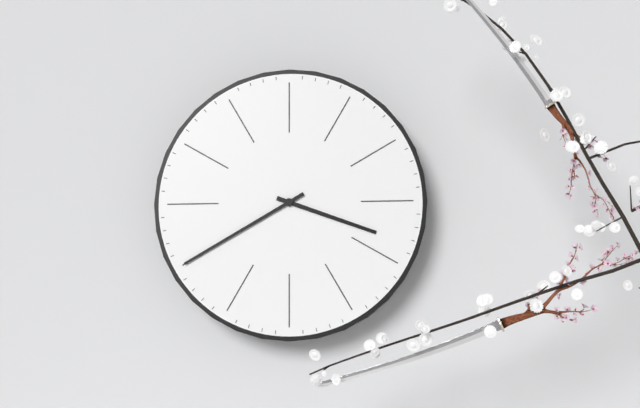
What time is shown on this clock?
3:40
